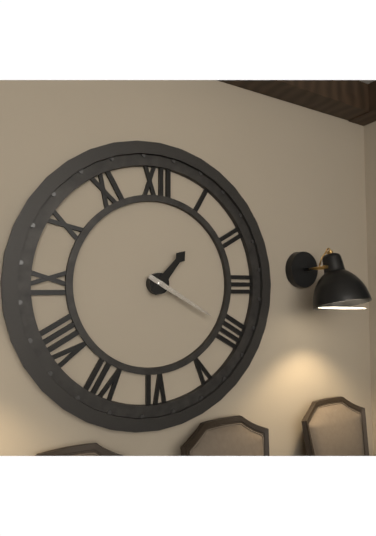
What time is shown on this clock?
1:20
